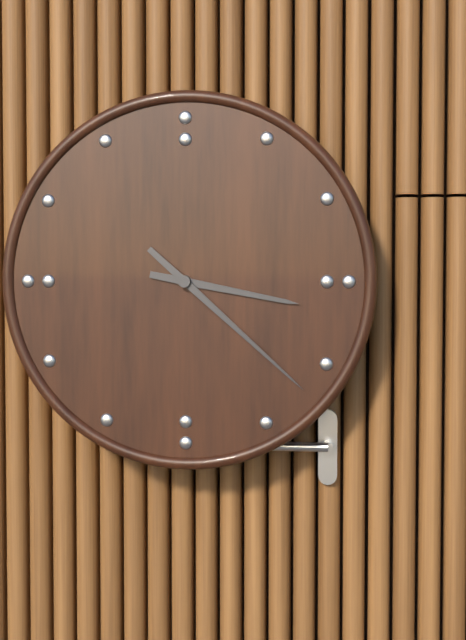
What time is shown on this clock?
3:22
